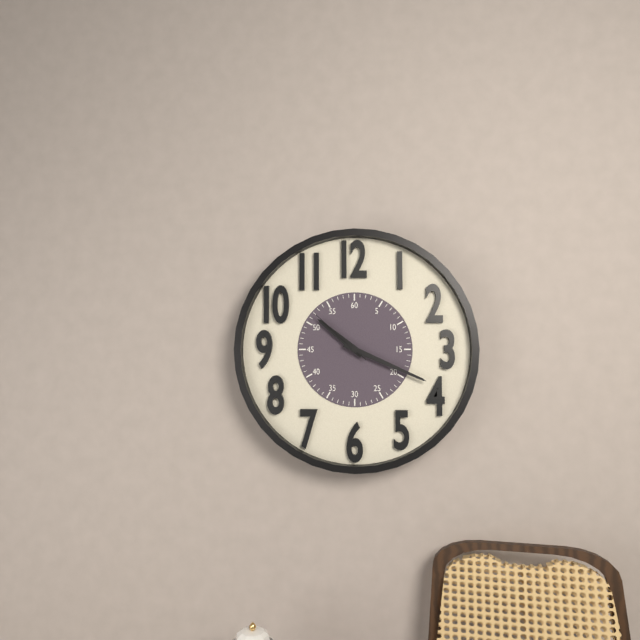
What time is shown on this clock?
10:19:52
